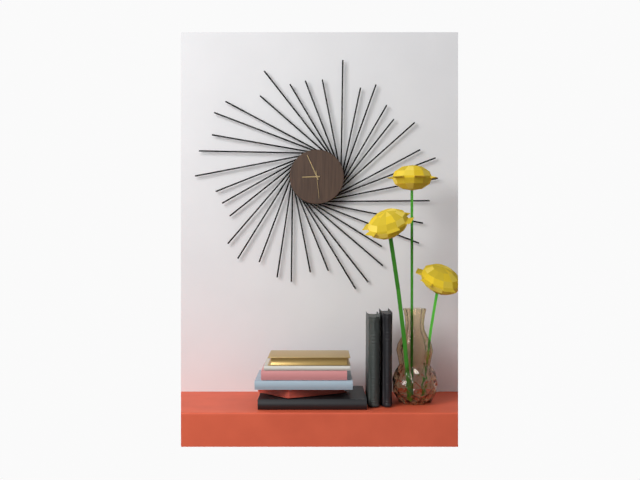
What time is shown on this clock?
8:56
